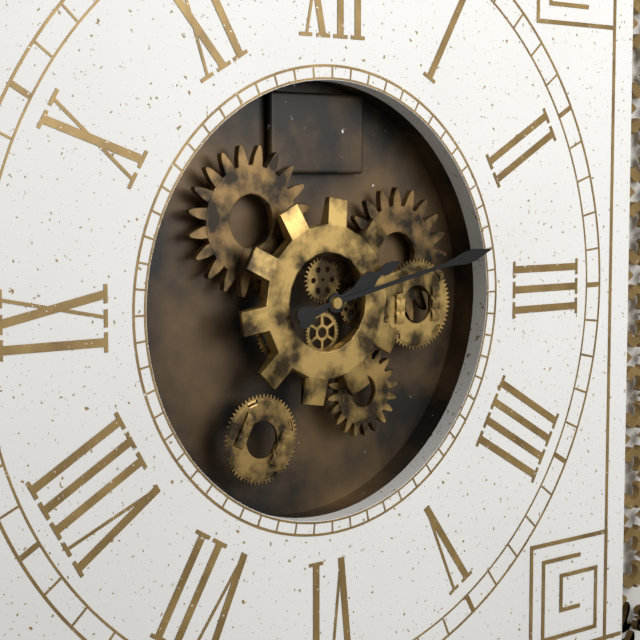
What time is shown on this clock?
2:13
